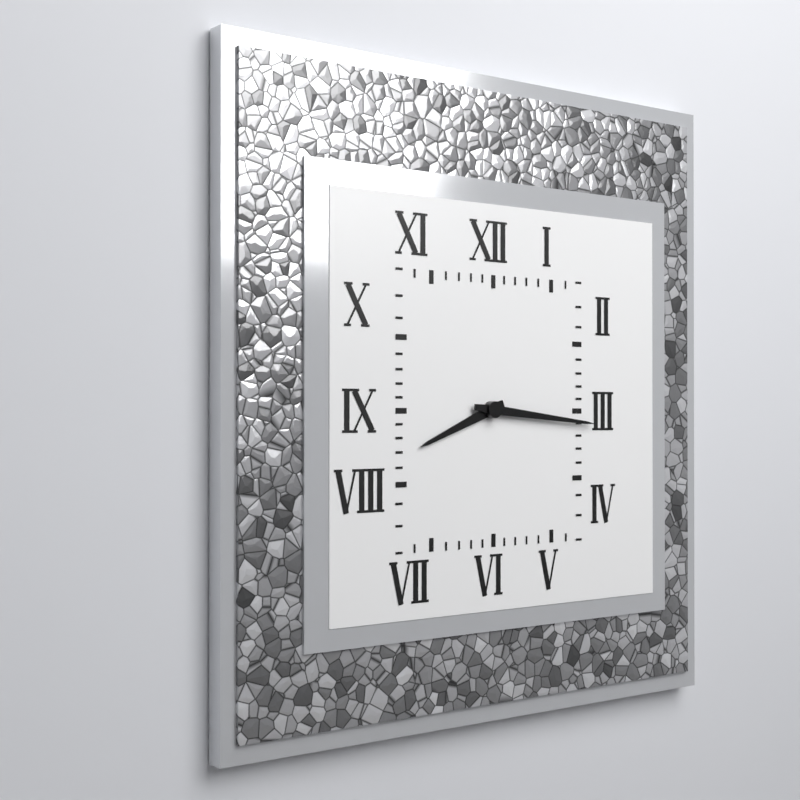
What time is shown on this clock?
8:16
